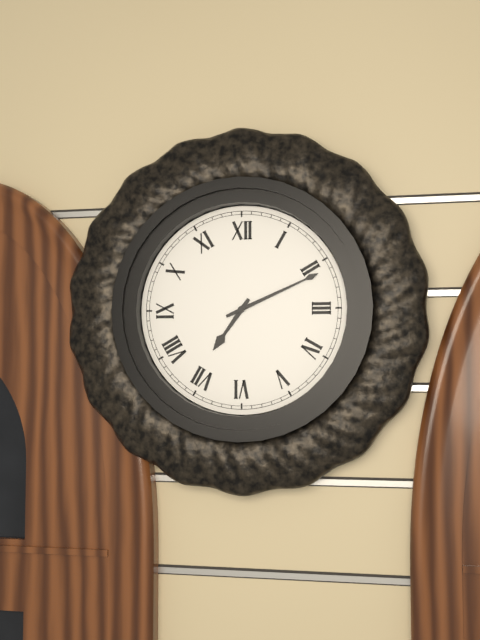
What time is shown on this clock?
7:11
